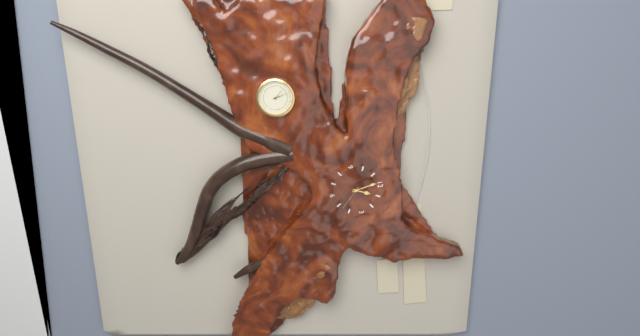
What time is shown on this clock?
12:59
